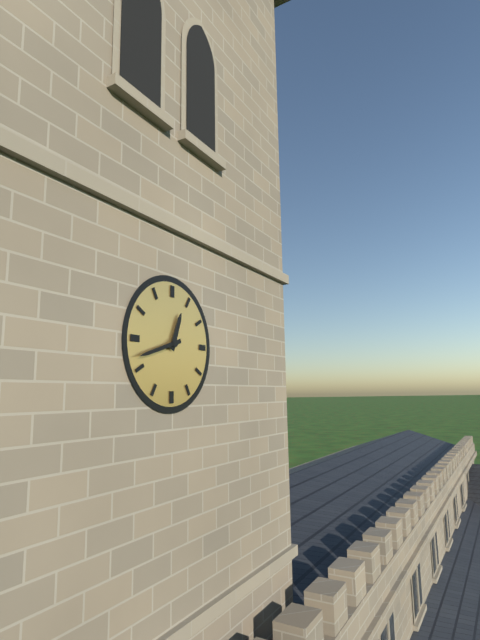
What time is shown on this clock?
12:42
